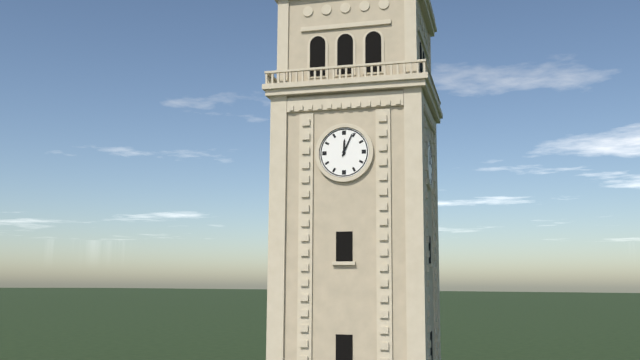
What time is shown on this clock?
12:04
